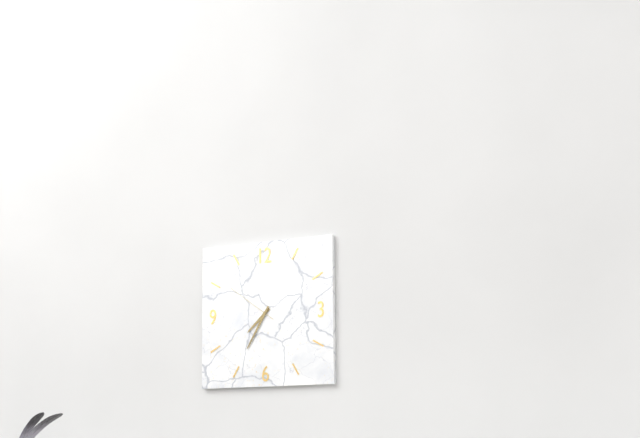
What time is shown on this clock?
7:35:51
